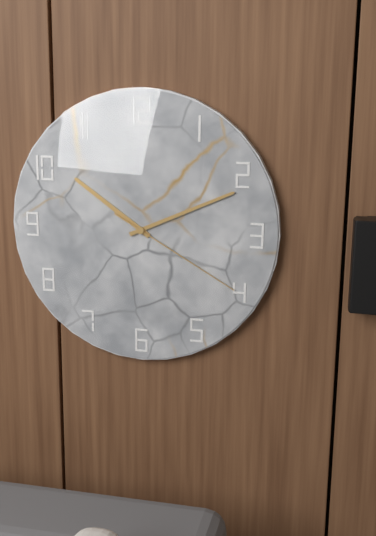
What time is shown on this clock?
10:11:20
